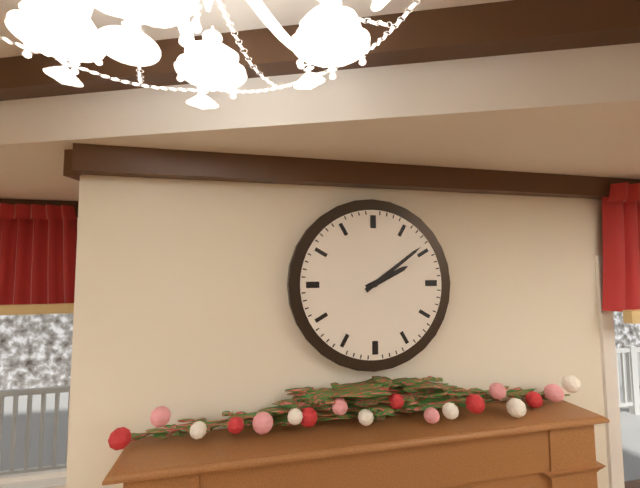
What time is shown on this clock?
2:09
